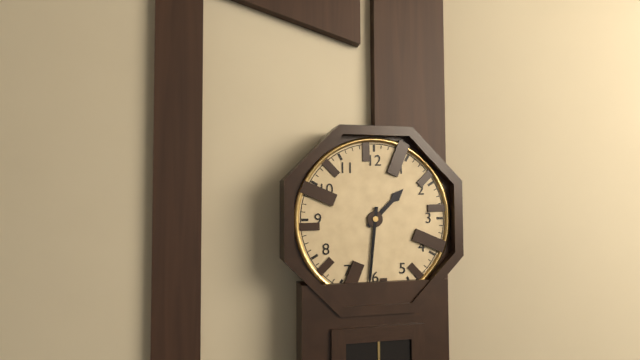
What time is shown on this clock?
1:31
